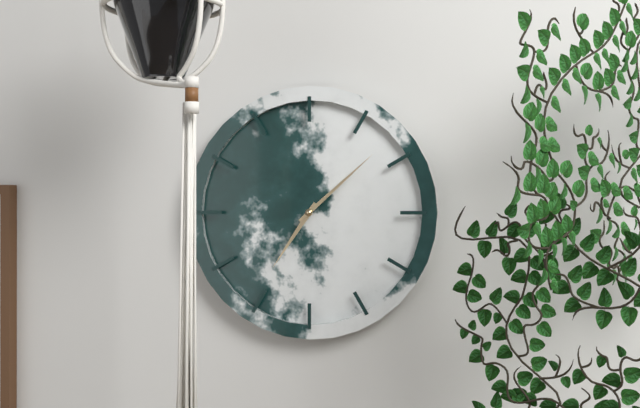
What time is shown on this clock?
7:08
